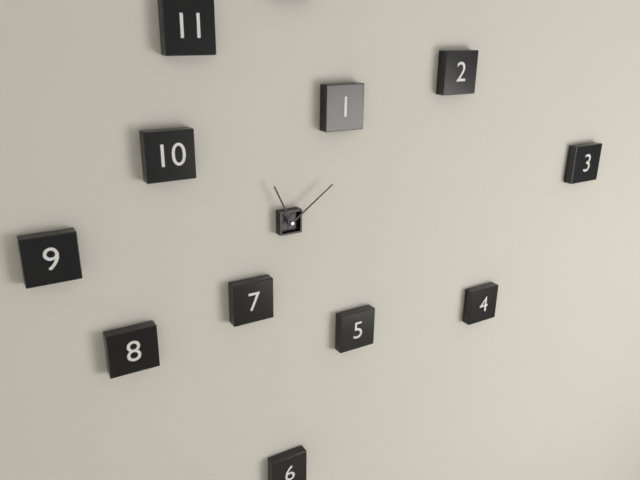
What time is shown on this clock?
11:09
